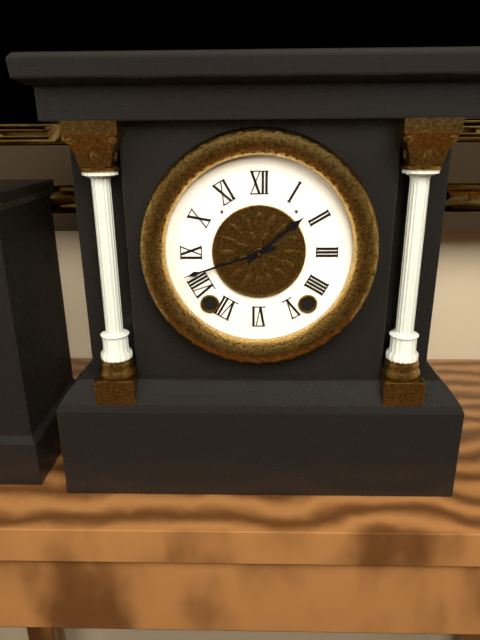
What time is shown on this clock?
1:42
